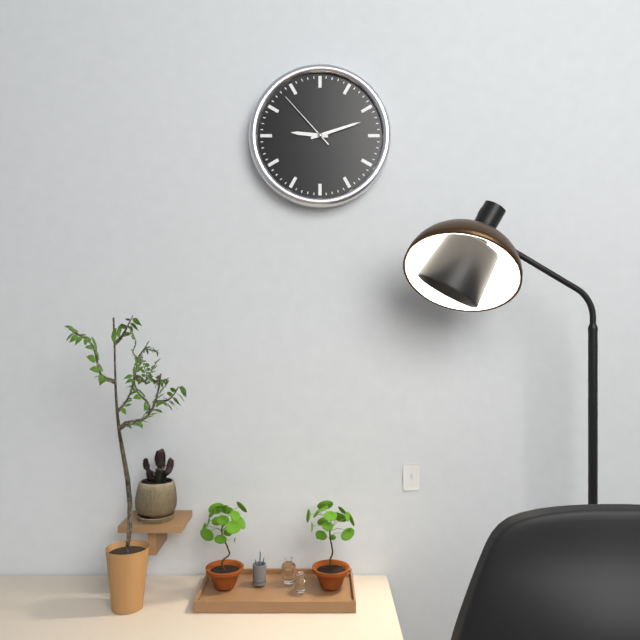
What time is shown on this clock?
9:12:53
